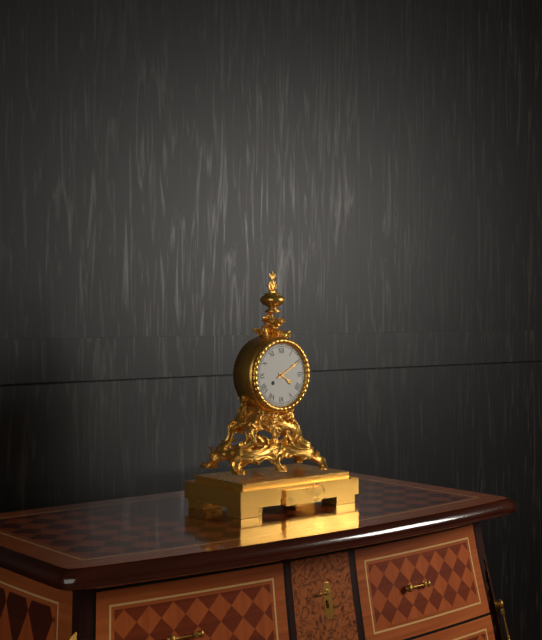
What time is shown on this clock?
4:10
